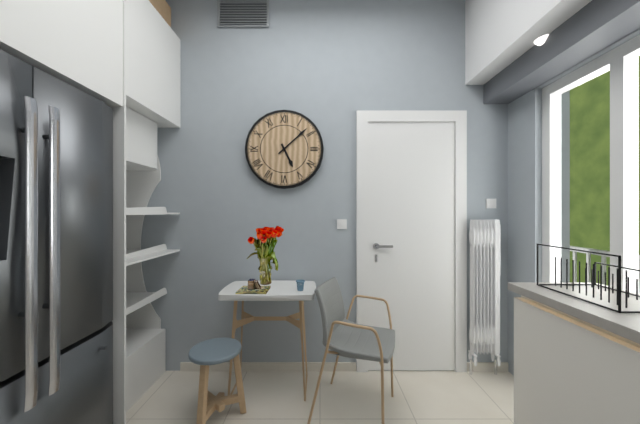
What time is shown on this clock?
5:08
